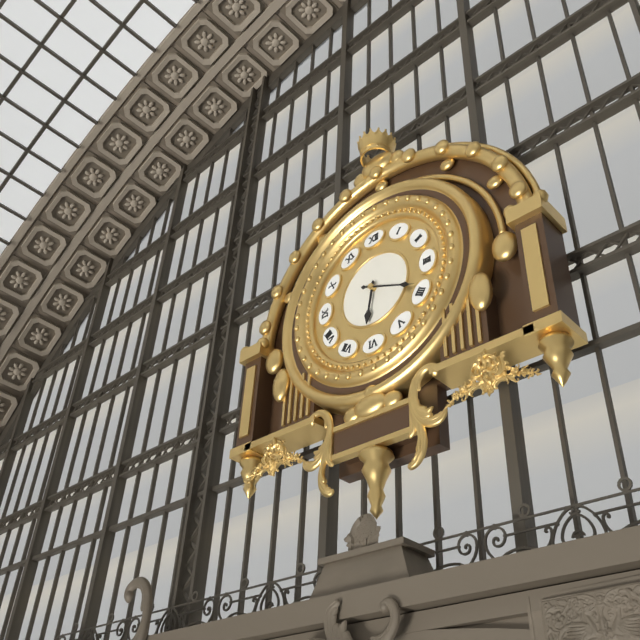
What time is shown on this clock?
6:19
